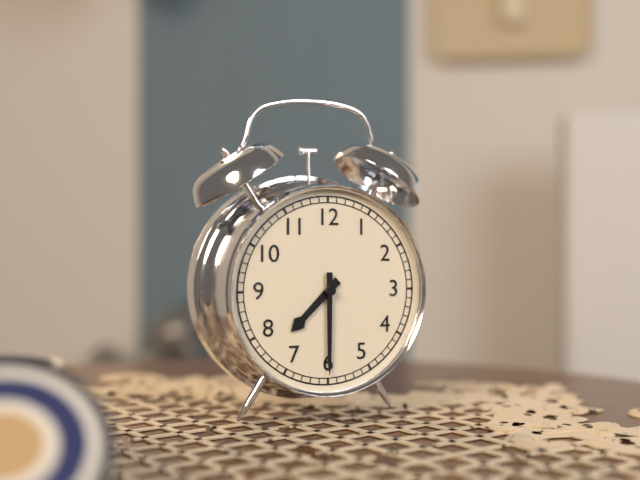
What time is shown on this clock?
7:30
